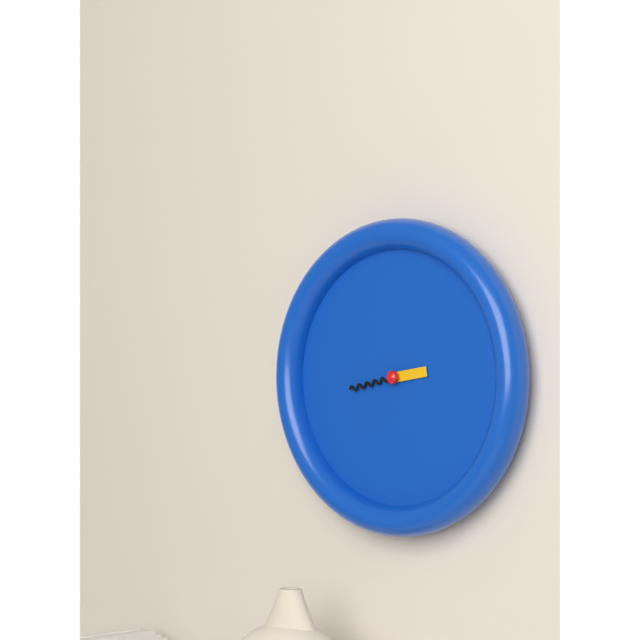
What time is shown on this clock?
2:43
